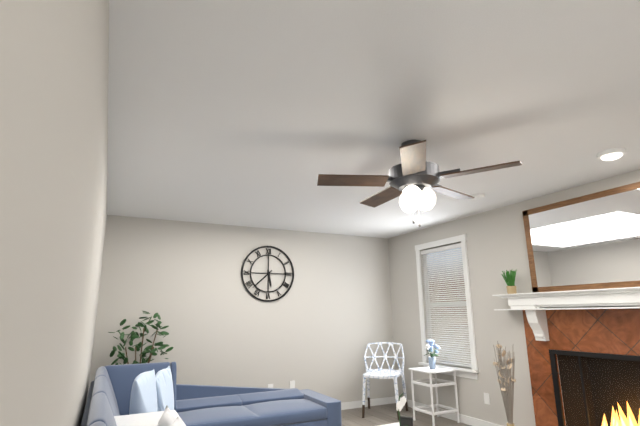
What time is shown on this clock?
5:38
